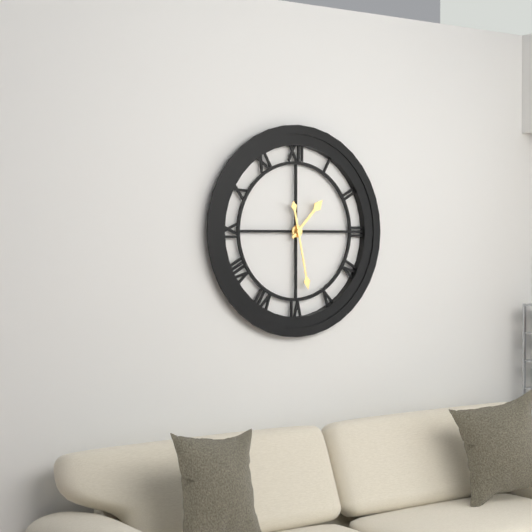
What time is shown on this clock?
1:28
